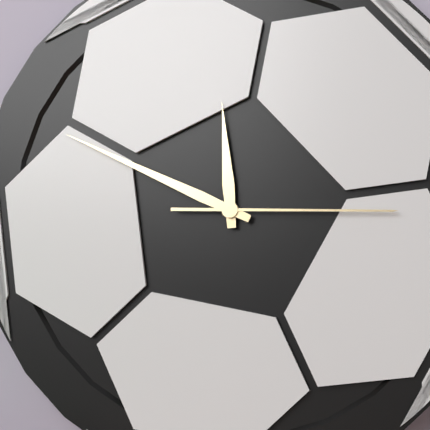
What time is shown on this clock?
11:49:15
